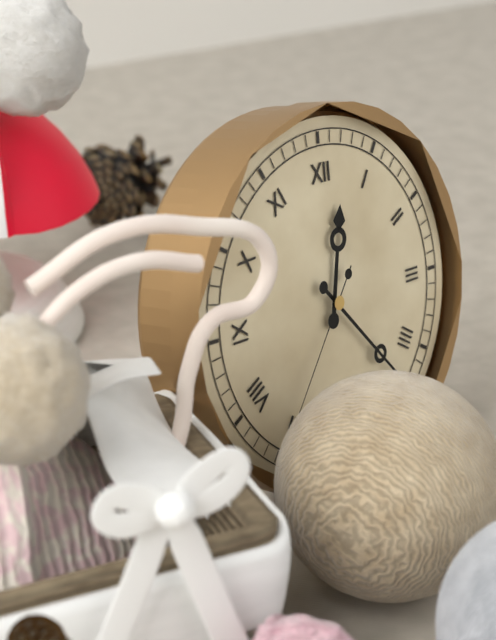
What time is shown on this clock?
12:23
